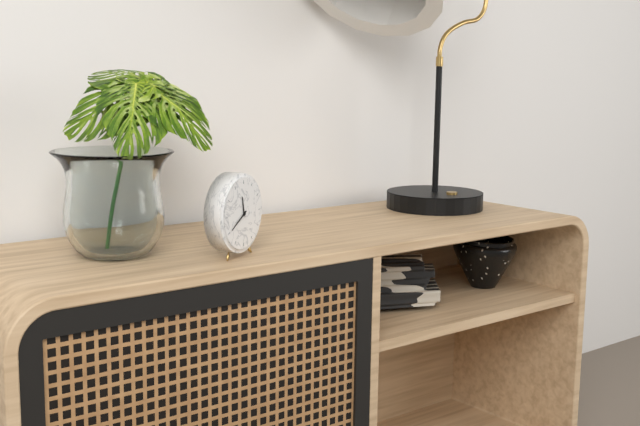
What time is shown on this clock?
11:40
